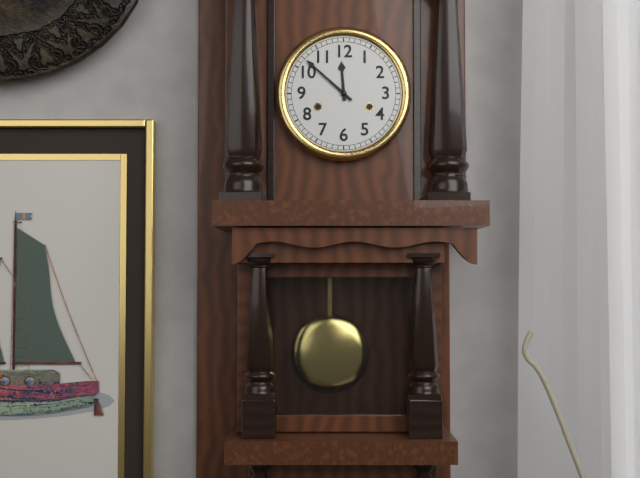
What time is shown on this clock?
11:52
